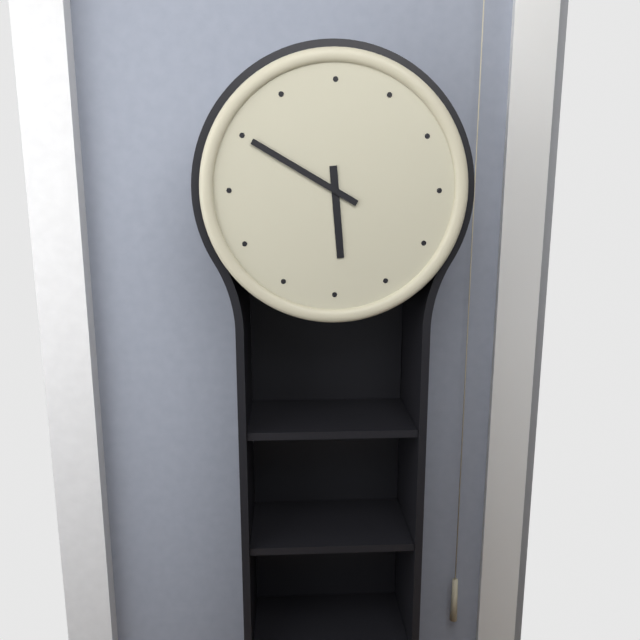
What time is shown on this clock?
5:50
